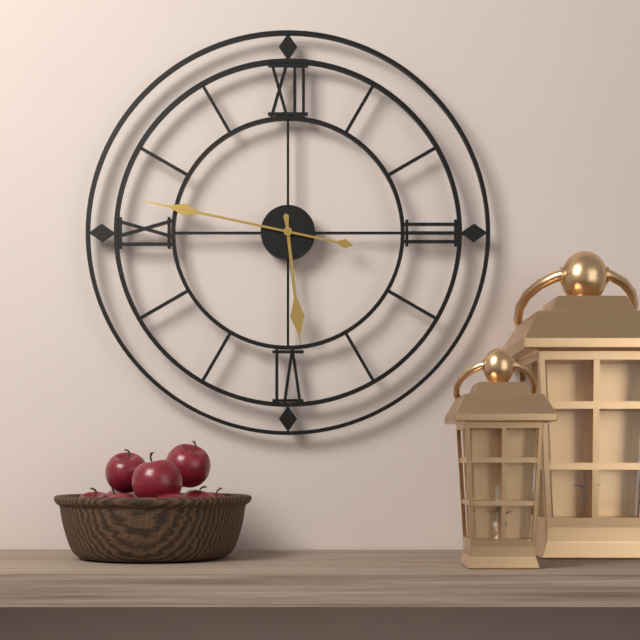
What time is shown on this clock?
5:47
